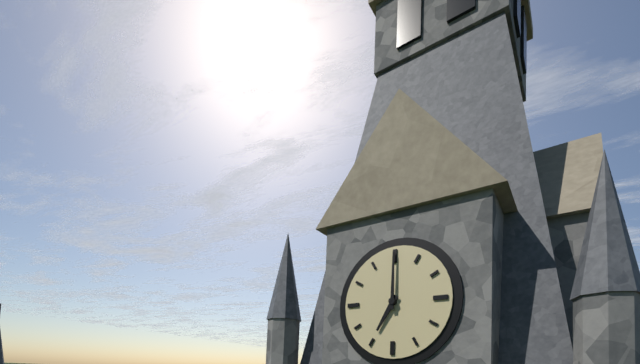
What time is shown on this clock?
7:00
